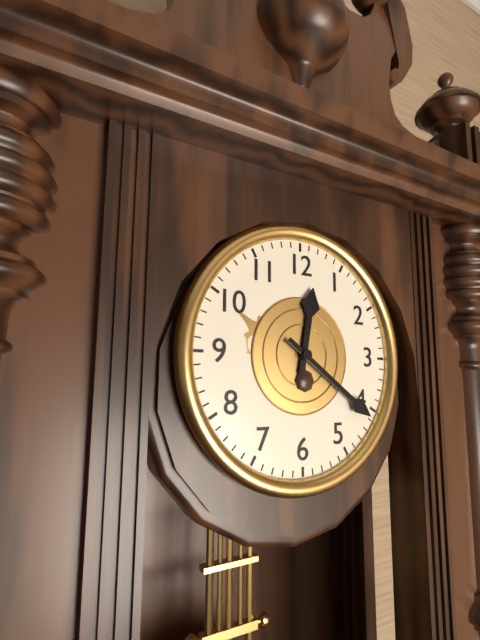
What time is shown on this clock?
12:21
